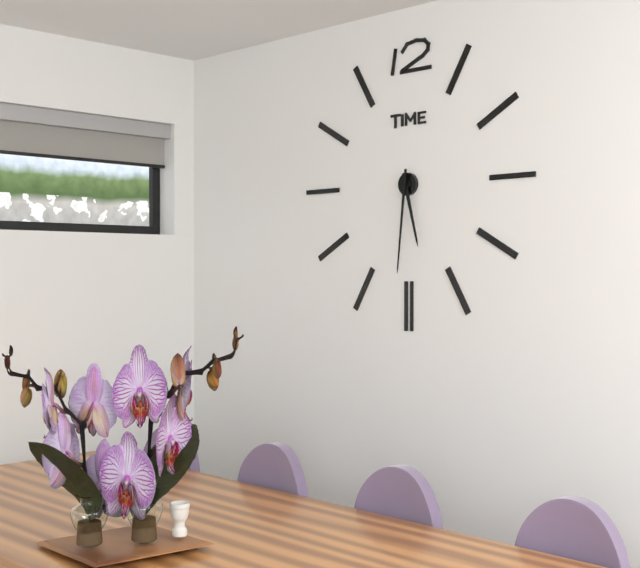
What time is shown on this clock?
5:31
